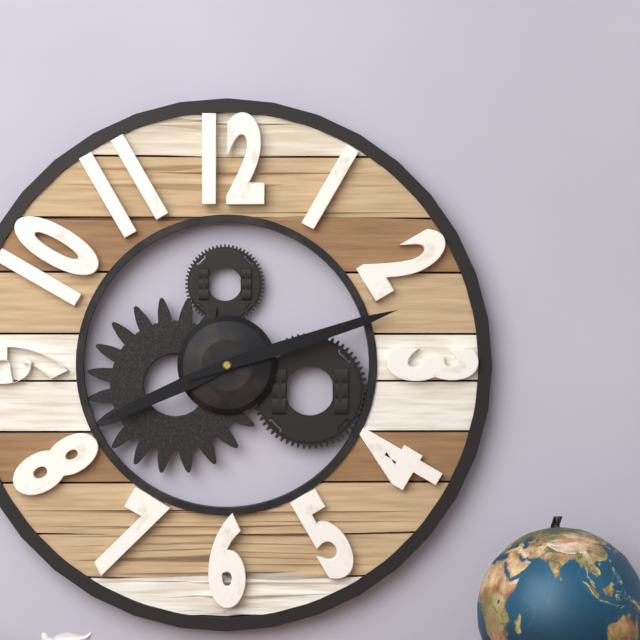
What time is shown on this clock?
8:12
